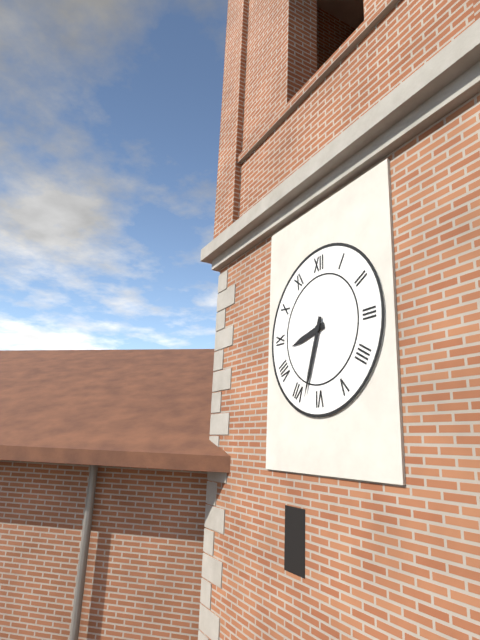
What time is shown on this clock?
8:33
